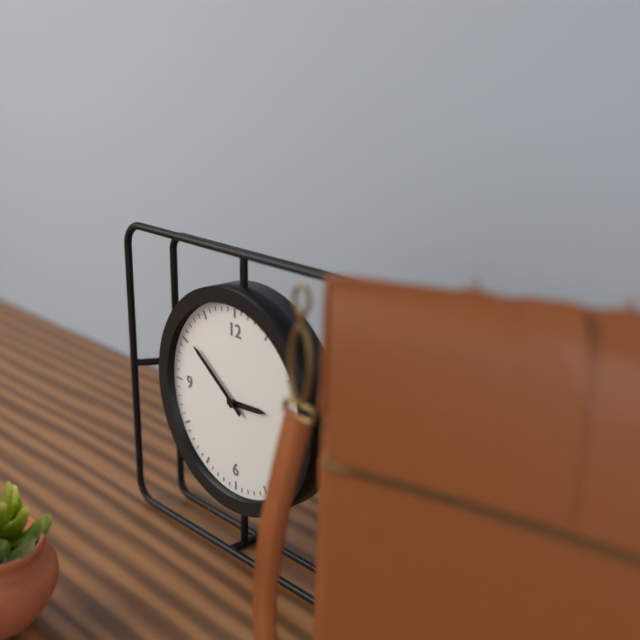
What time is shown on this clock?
2:51
